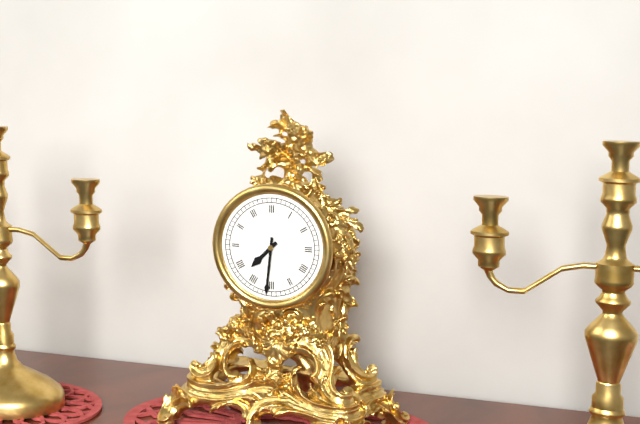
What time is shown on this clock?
7:31
